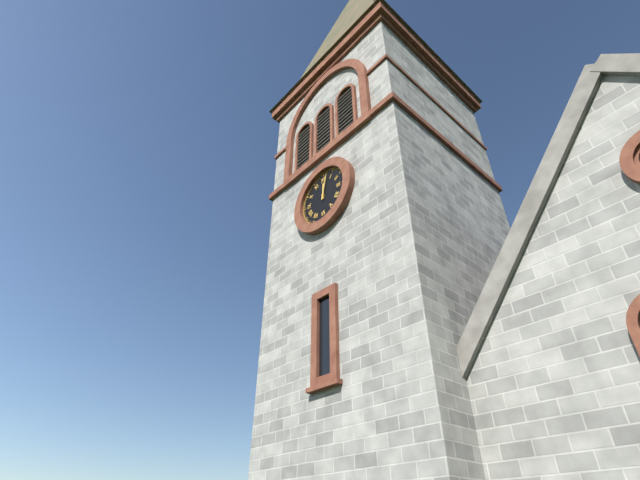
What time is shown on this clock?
12:02
